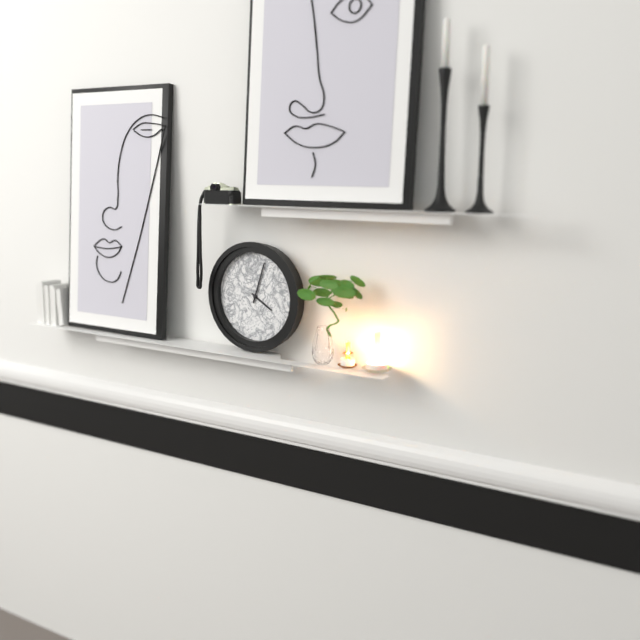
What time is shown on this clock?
4:03
